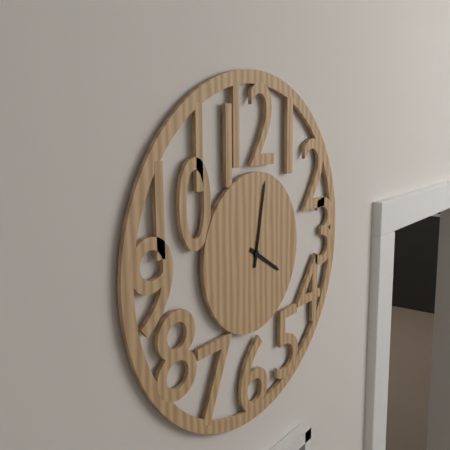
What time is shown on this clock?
4:02
